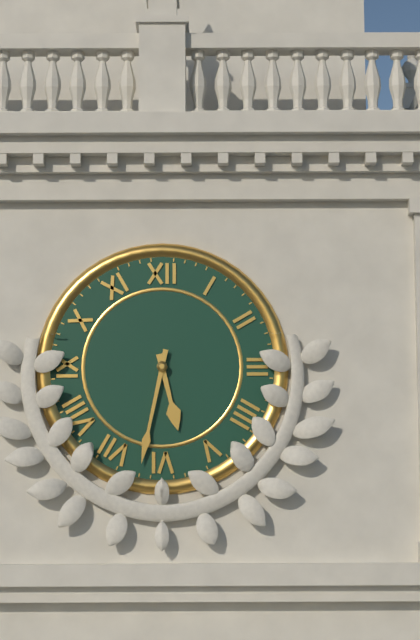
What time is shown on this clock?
5:32
